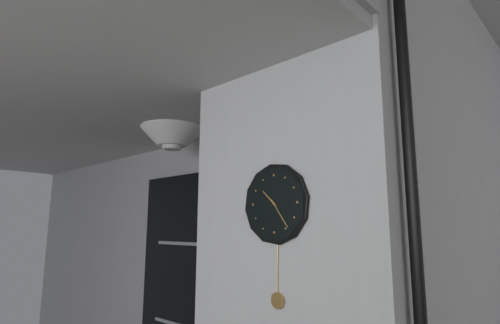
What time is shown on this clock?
10:24
